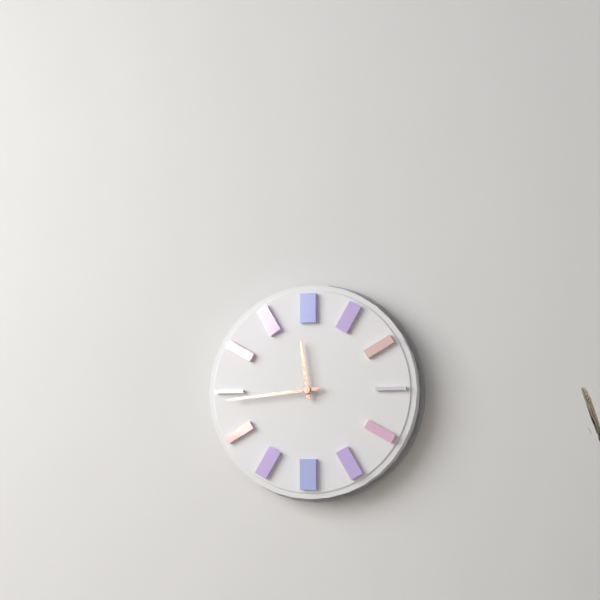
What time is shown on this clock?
11:44
